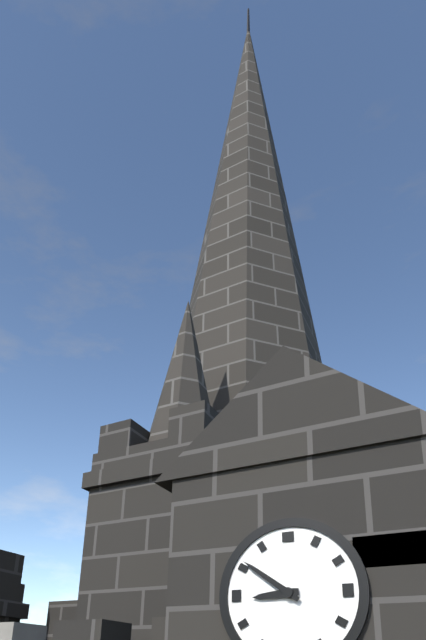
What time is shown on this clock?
8:51
